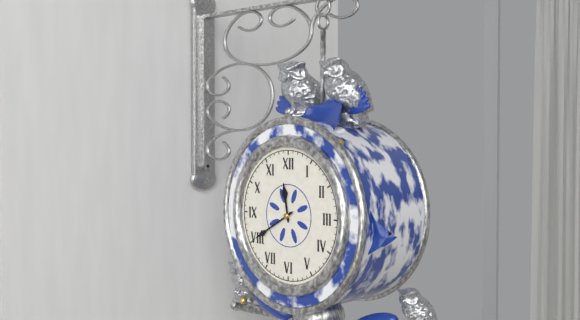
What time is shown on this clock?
11:40
